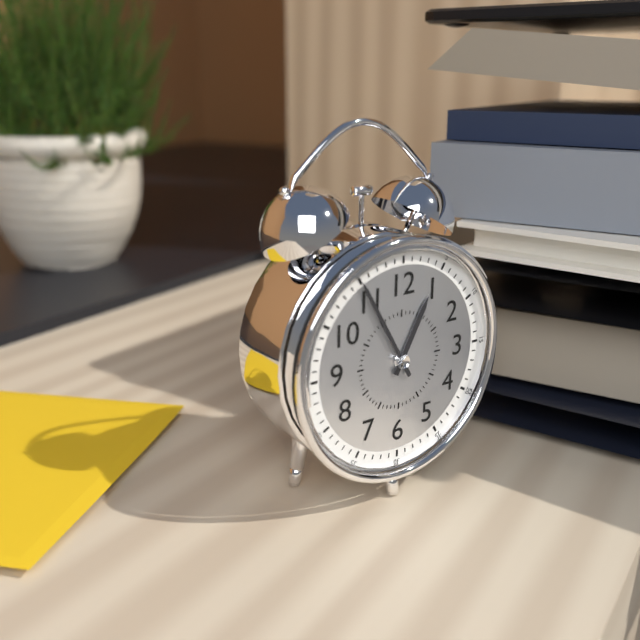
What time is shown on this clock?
12:55
